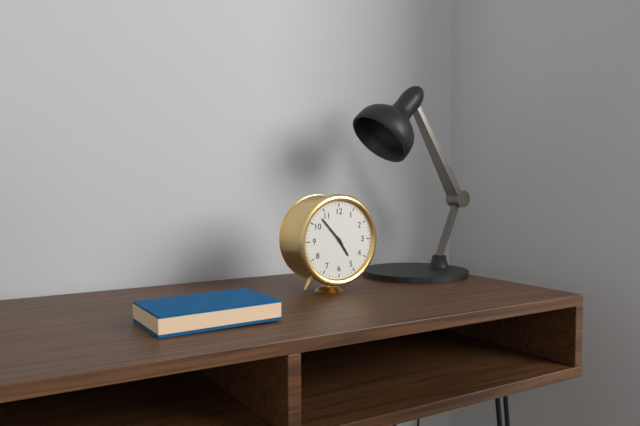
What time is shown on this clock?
4:53
